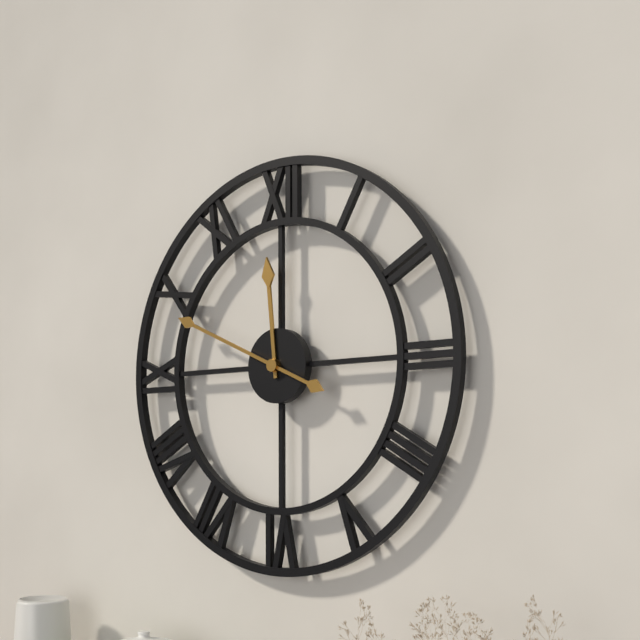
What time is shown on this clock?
11:49
